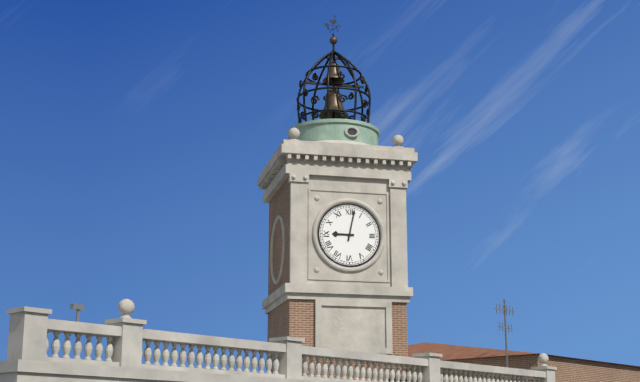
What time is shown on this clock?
9:02
